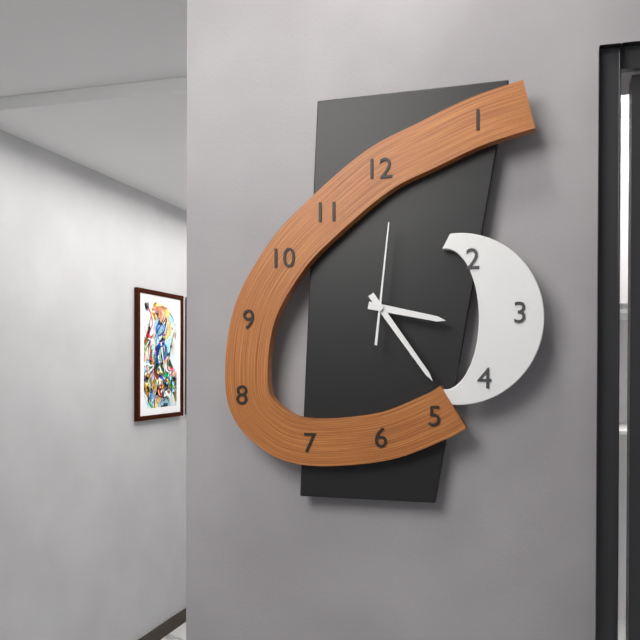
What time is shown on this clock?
3:24:01
